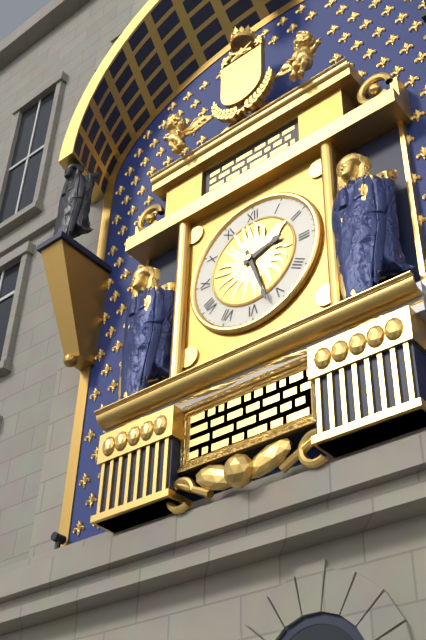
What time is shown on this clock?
2:27
